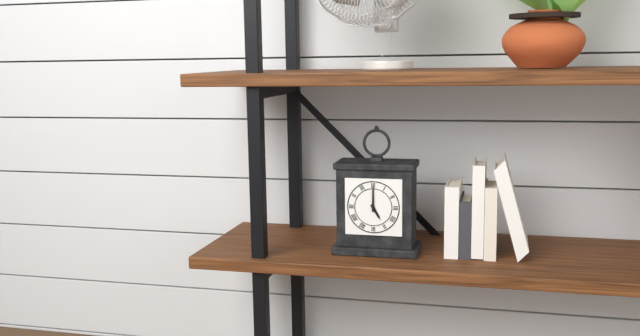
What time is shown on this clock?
5:00
